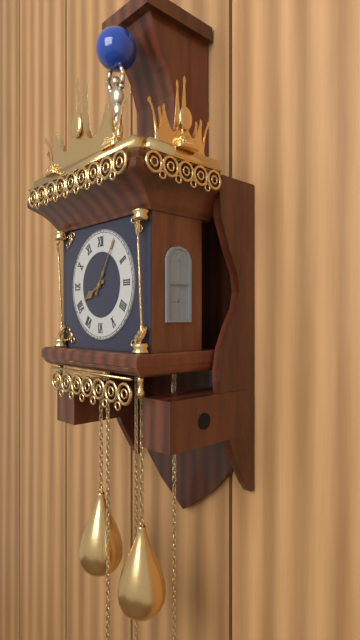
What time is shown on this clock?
8:05
